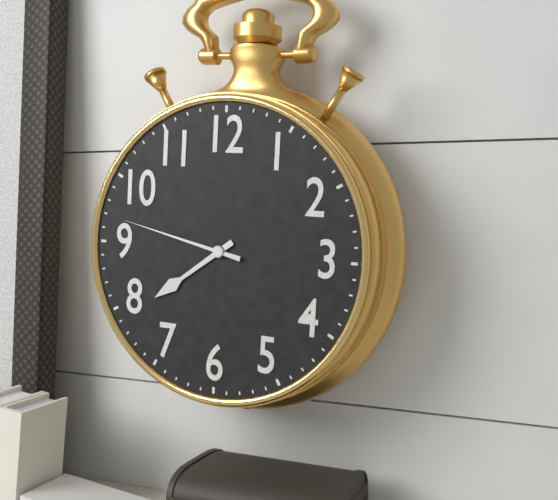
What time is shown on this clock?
7:47
